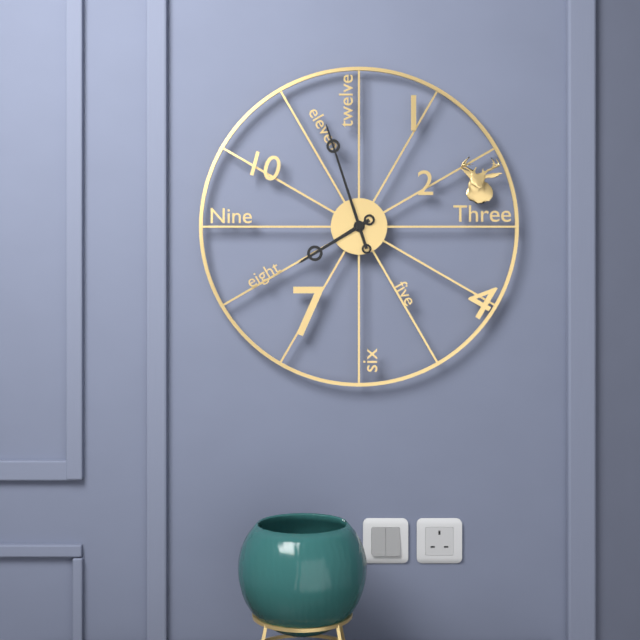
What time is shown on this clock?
7:57
